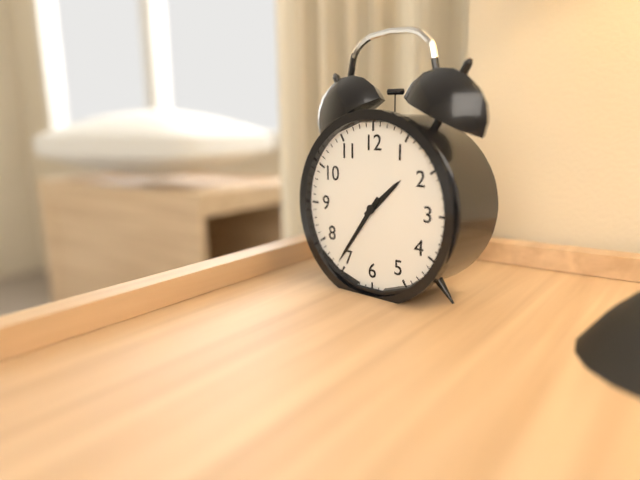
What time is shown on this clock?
1:36
